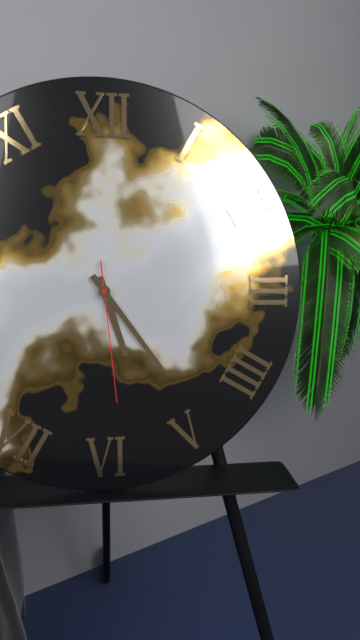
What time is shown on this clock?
5:24:29
